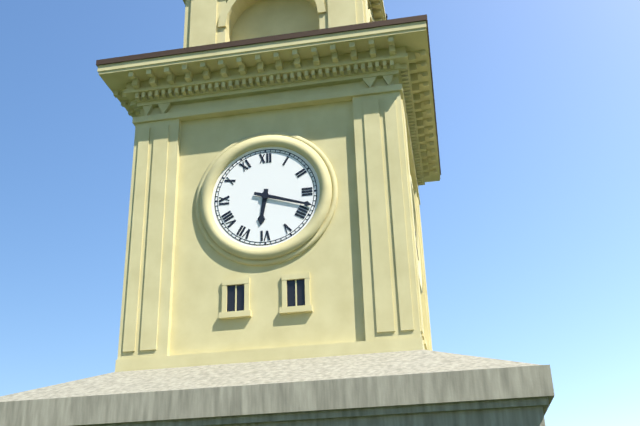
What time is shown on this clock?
6:18
